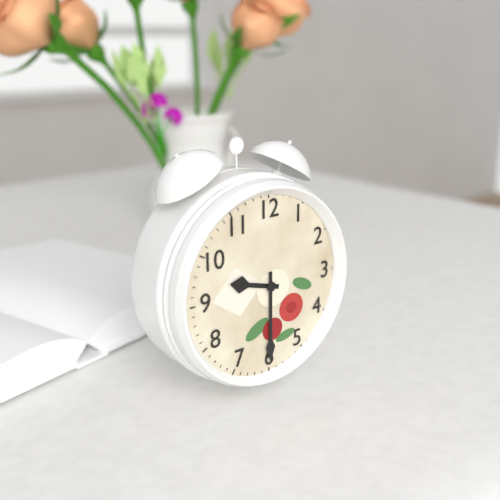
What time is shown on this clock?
9:30
